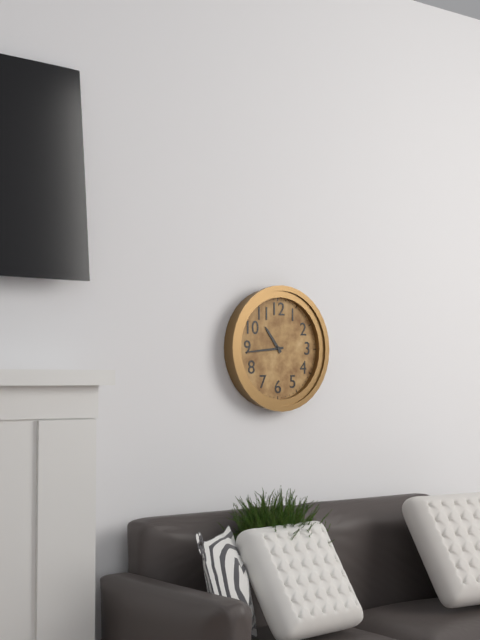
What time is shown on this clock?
10:44
